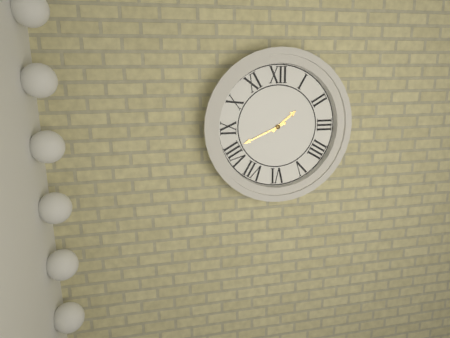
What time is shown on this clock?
1:41
